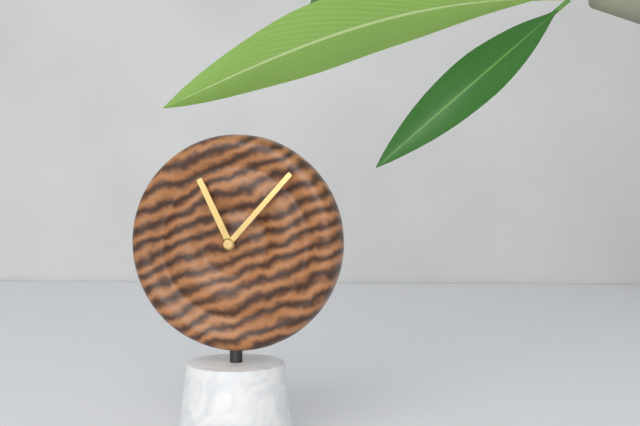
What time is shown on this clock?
11:07
